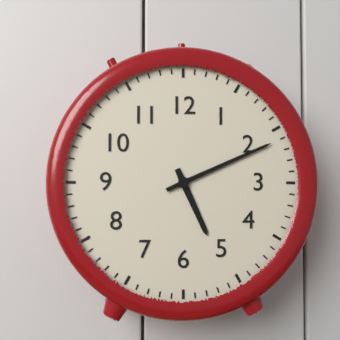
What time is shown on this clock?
5:11
